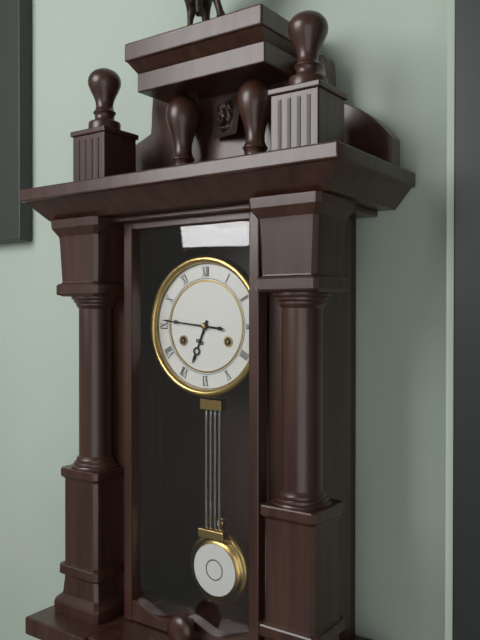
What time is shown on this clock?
6:46
